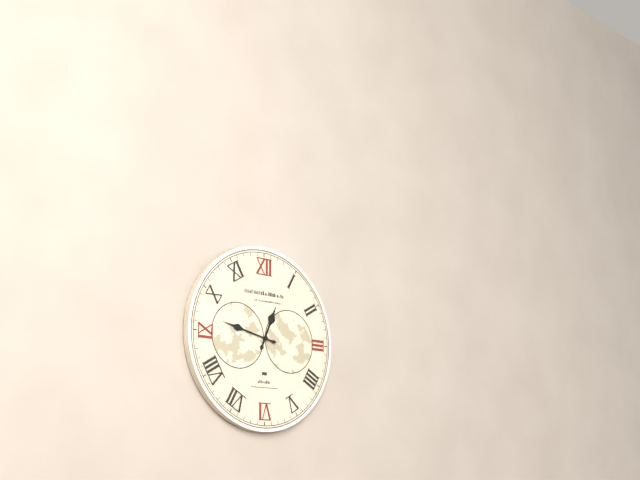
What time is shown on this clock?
12:47
